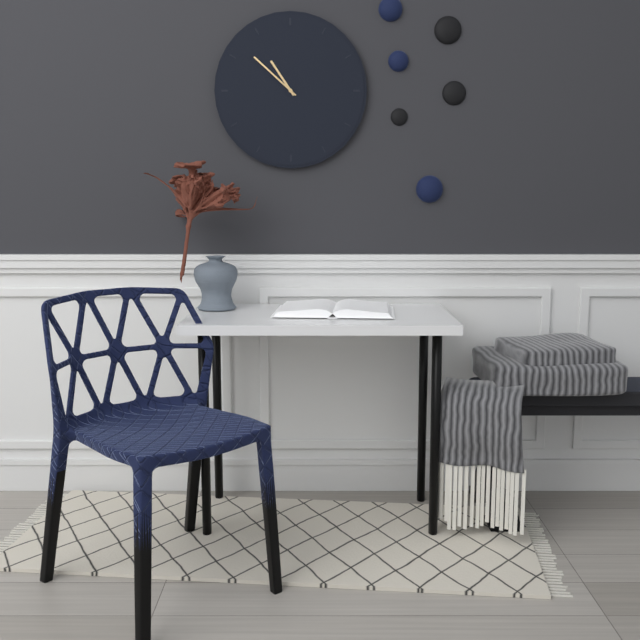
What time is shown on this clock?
10:52
